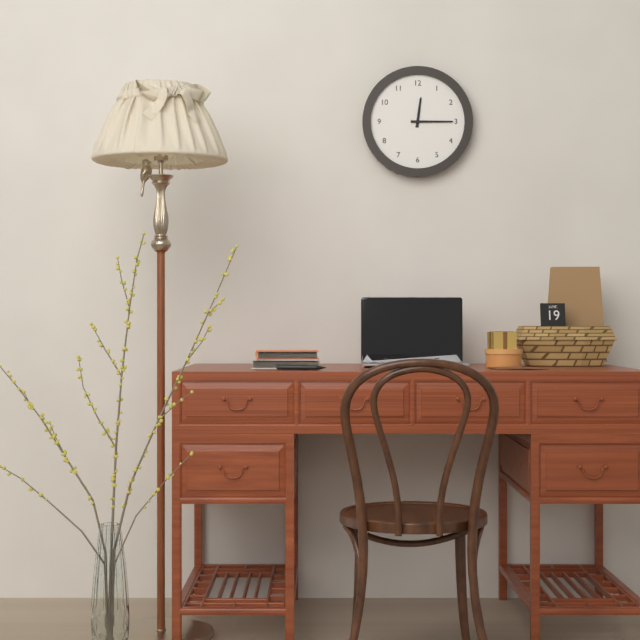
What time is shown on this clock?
12:15
